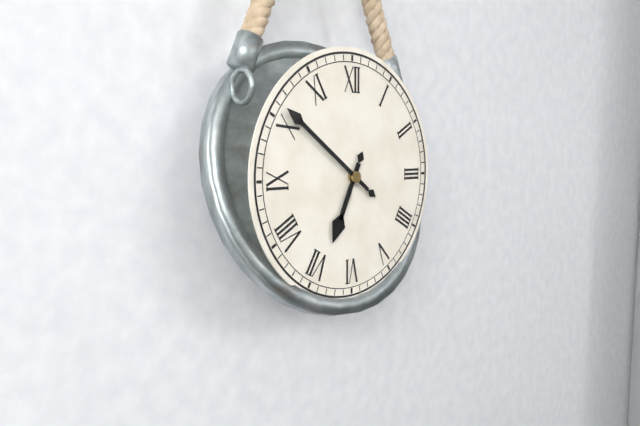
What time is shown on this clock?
6:51
